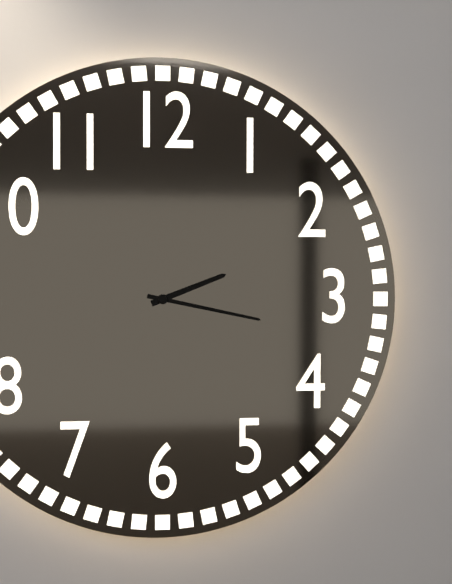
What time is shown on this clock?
2:17
